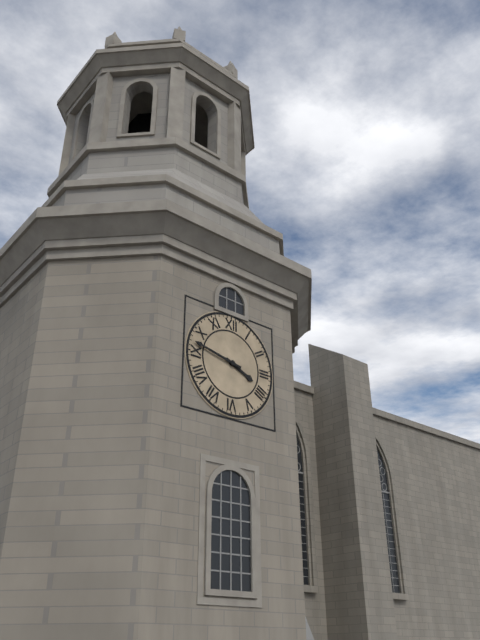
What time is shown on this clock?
3:47
